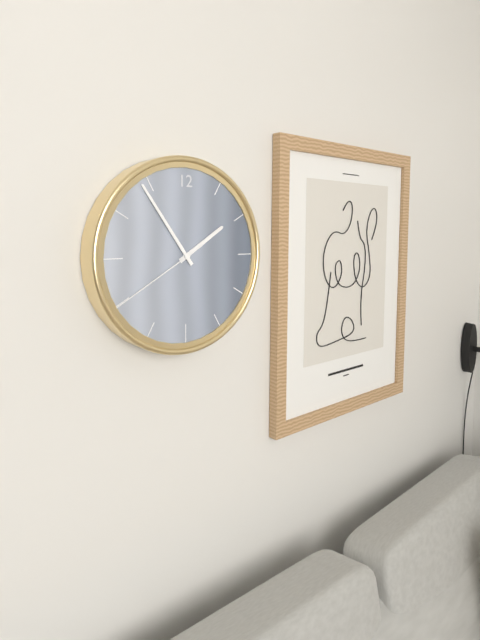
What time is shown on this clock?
1:54:40
